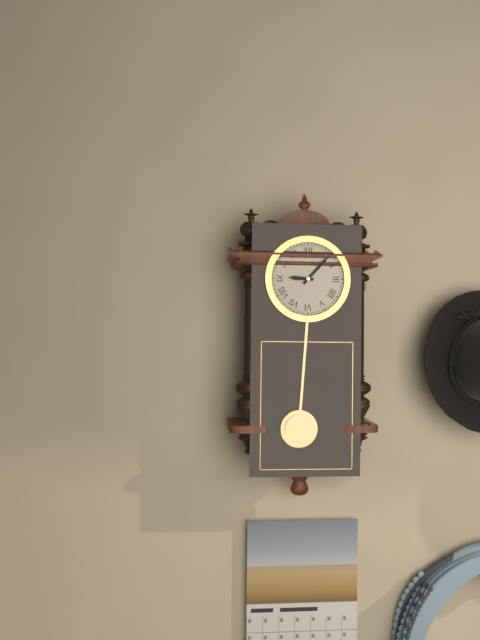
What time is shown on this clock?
9:07
